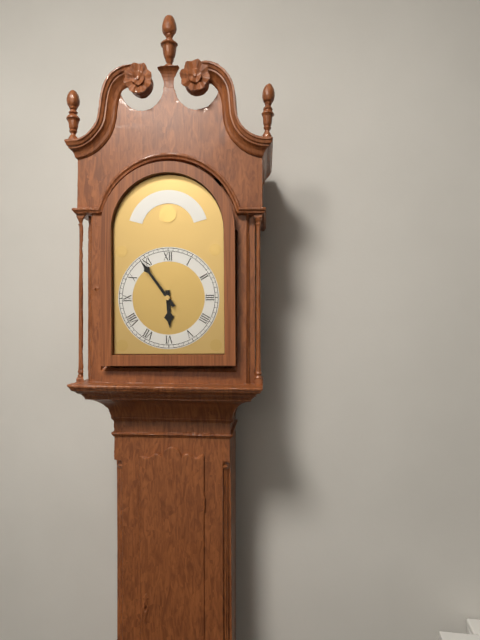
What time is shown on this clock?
5:54
